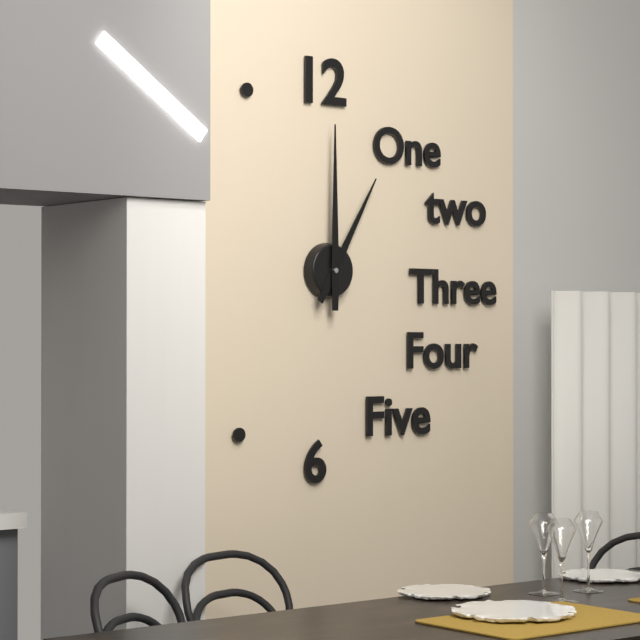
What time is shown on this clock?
1:00
